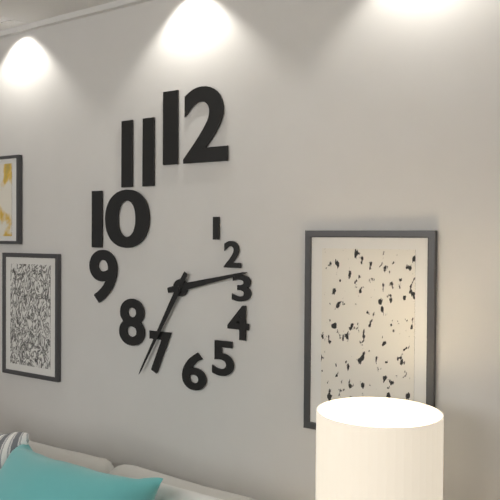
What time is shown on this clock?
2:35
